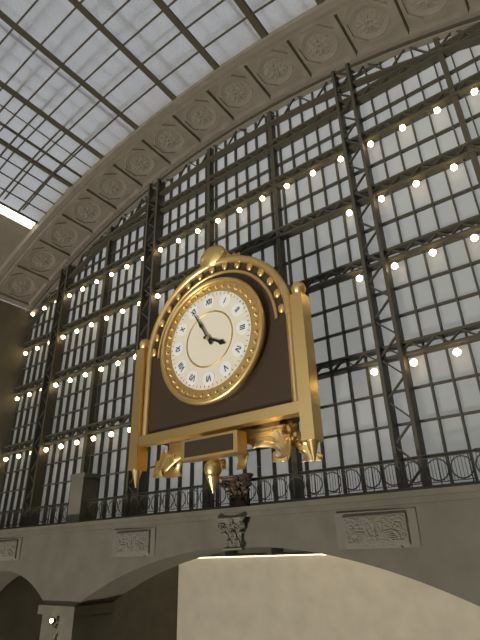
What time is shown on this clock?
3:55
